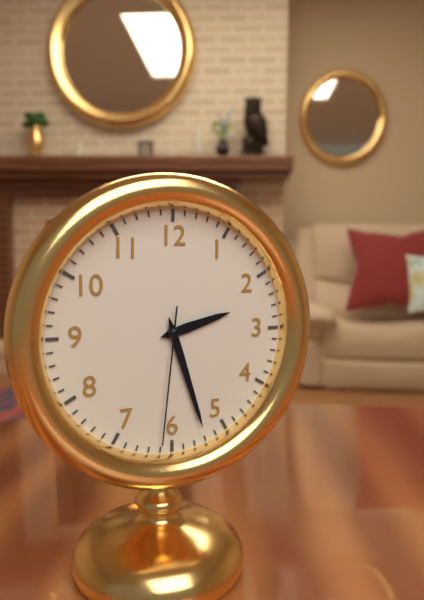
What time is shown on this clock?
2:27:31
